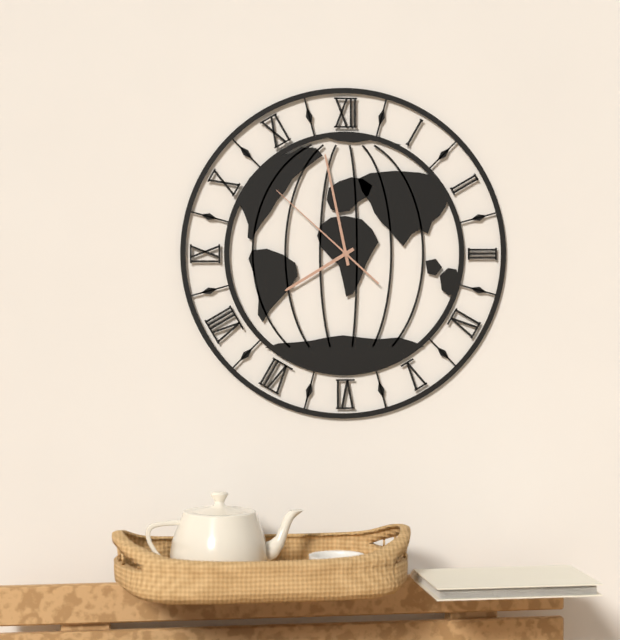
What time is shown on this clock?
7:58:52
